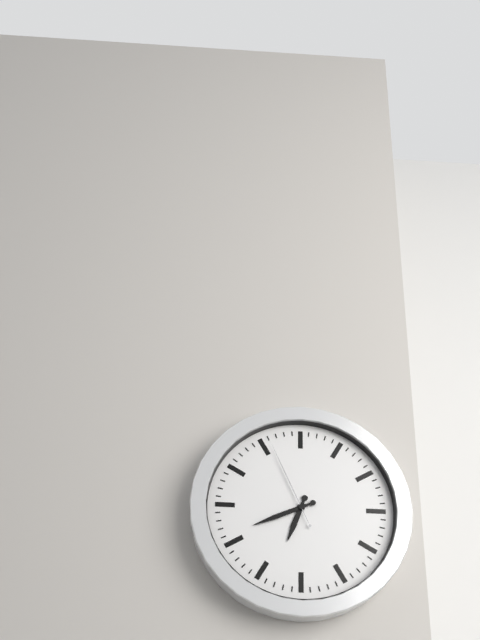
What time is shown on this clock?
6:41:56
